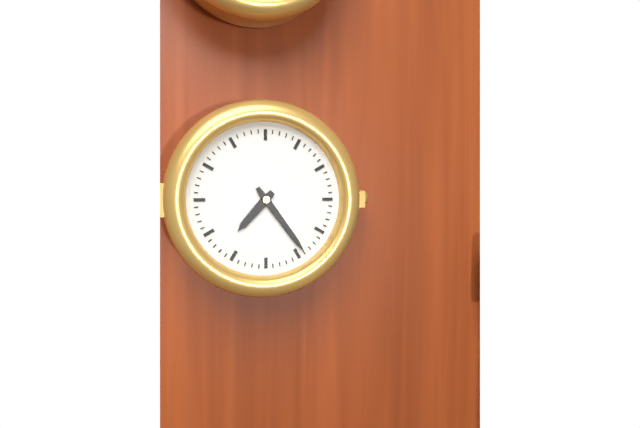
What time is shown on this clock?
7:24
